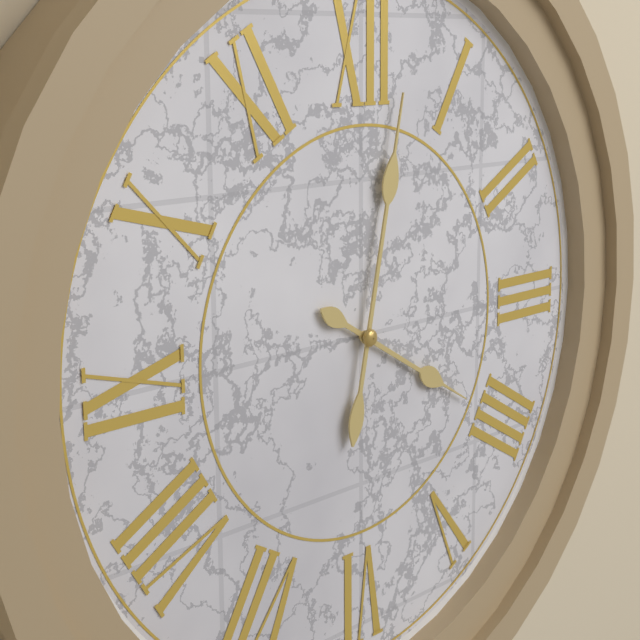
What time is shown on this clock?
4:02
